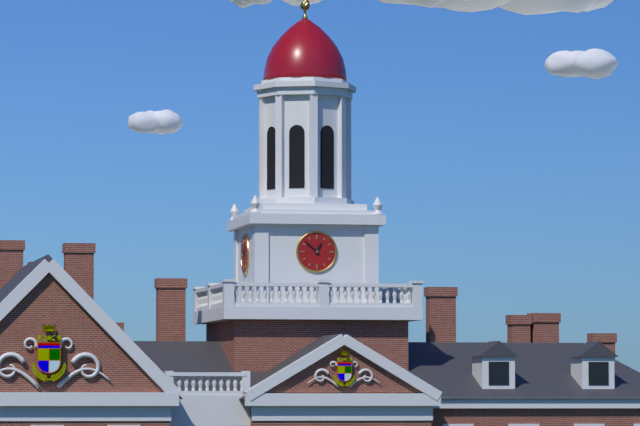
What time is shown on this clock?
12:52
